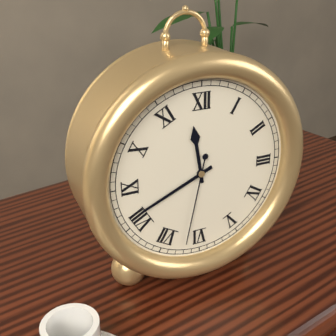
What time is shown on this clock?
11:41:32
